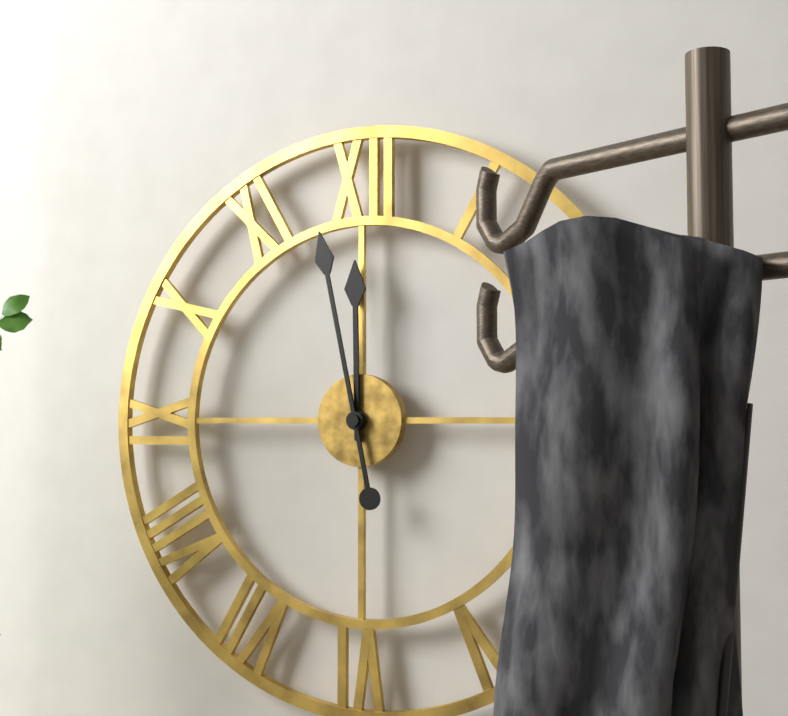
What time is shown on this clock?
11:58
